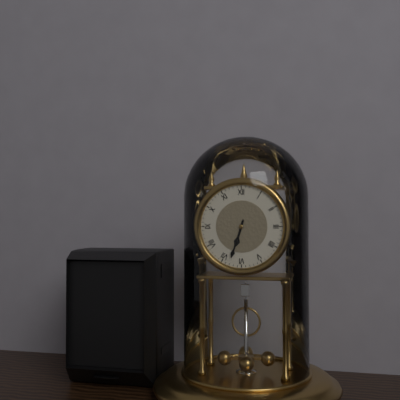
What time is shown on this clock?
6:33
